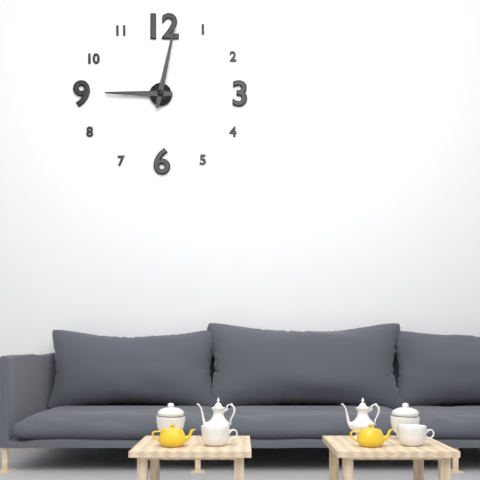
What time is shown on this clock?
9:02
